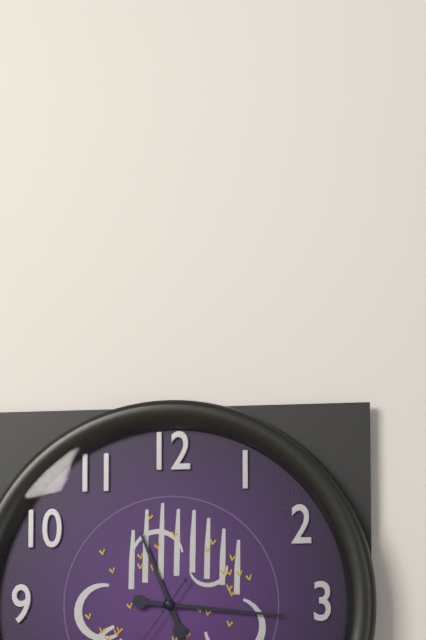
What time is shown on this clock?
11:16
